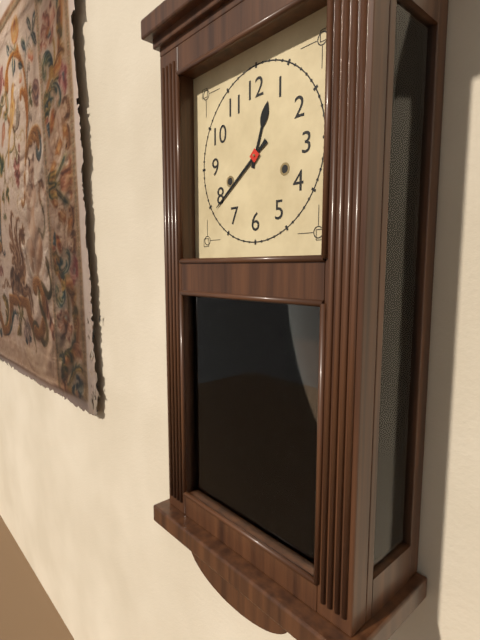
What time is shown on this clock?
12:39
